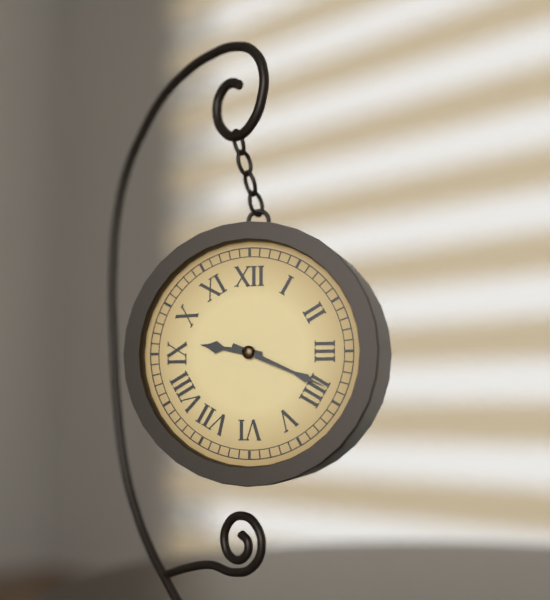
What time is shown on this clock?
9:19
